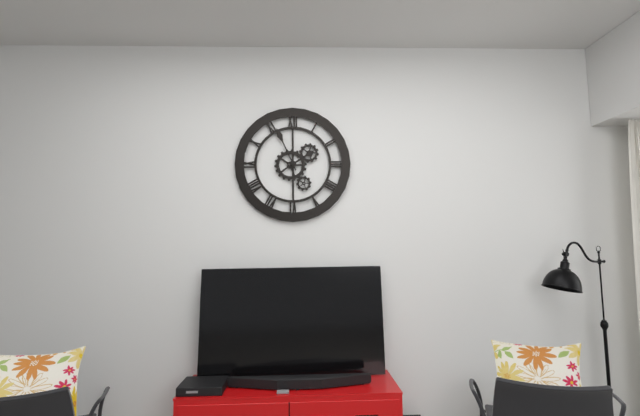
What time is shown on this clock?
1:56
